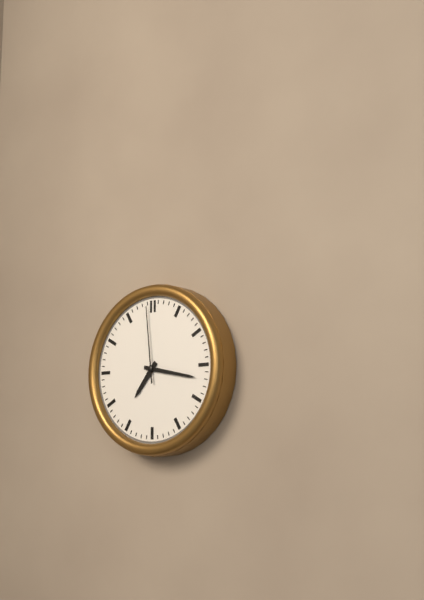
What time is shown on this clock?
7:17:59
